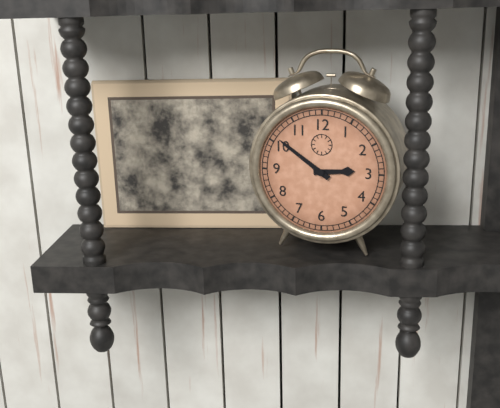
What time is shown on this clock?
2:51
